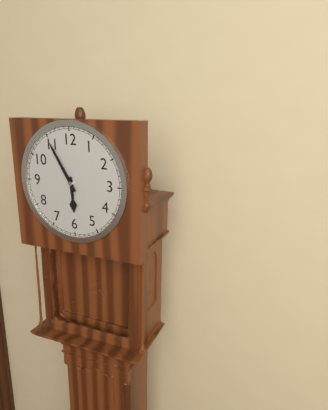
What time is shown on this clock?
5:55
